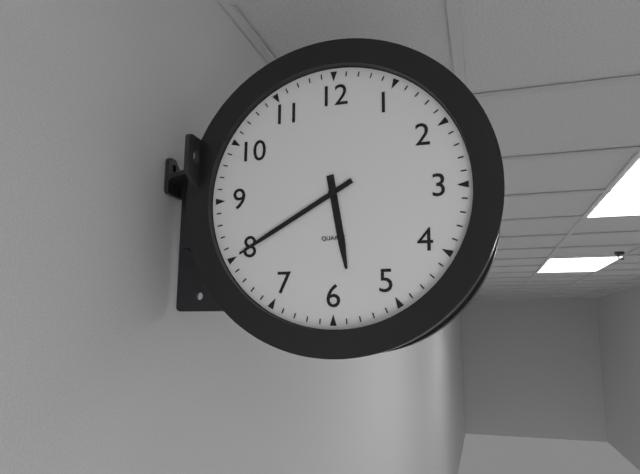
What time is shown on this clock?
5:40
